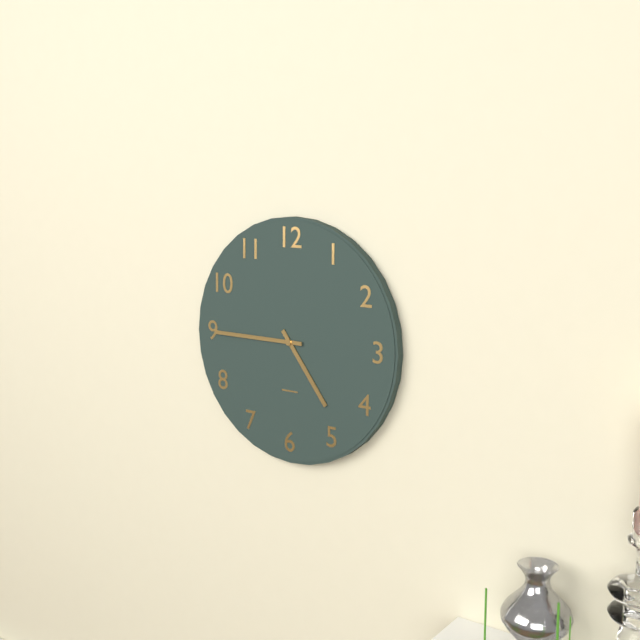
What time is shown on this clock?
4:45
